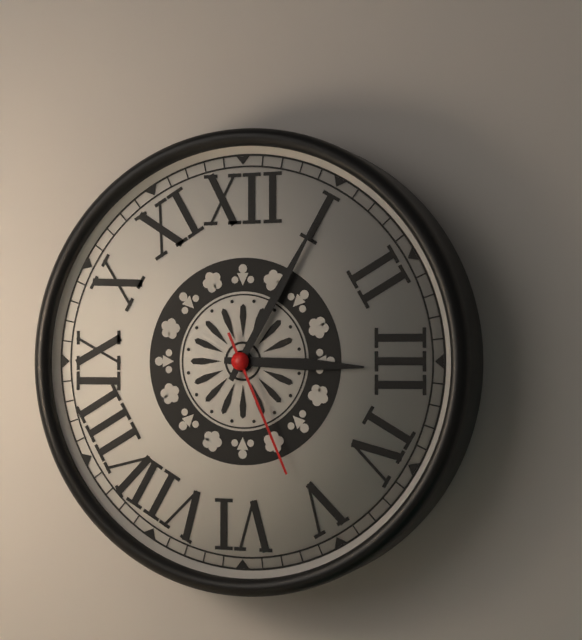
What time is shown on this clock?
3:05:26
